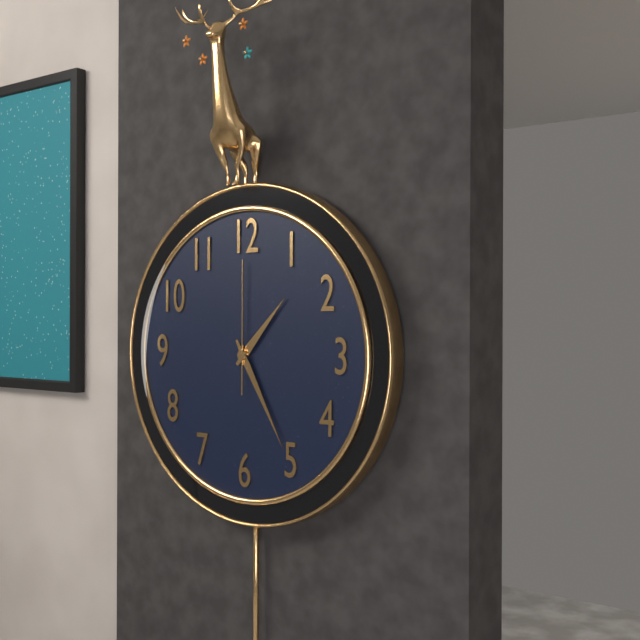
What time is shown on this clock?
1:25:00
